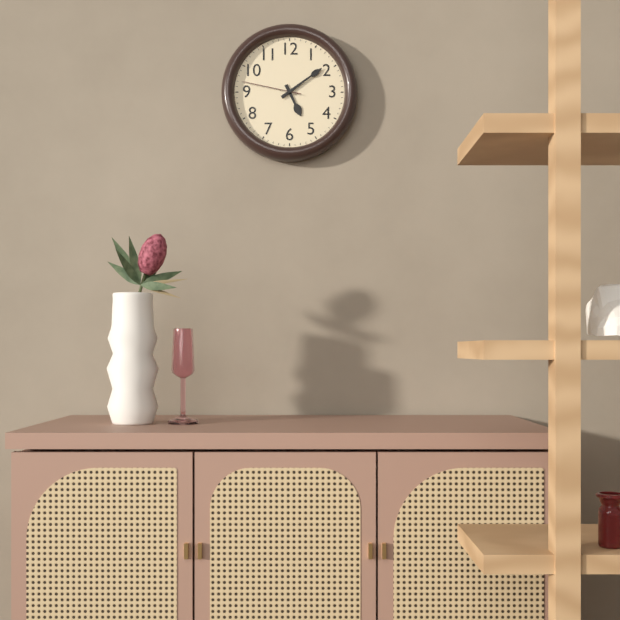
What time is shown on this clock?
5:09:47
